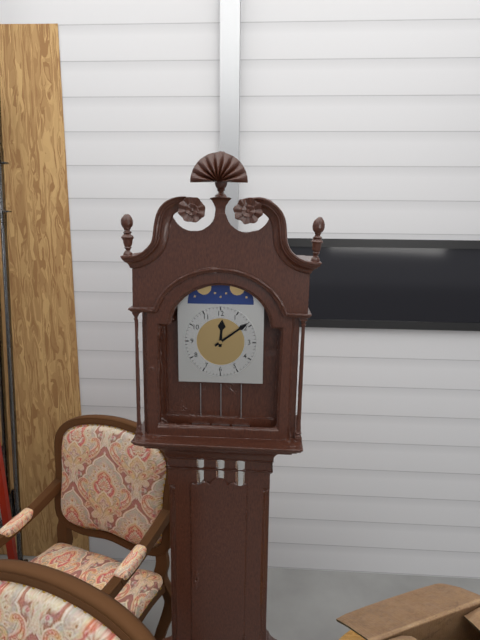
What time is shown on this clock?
12:09
